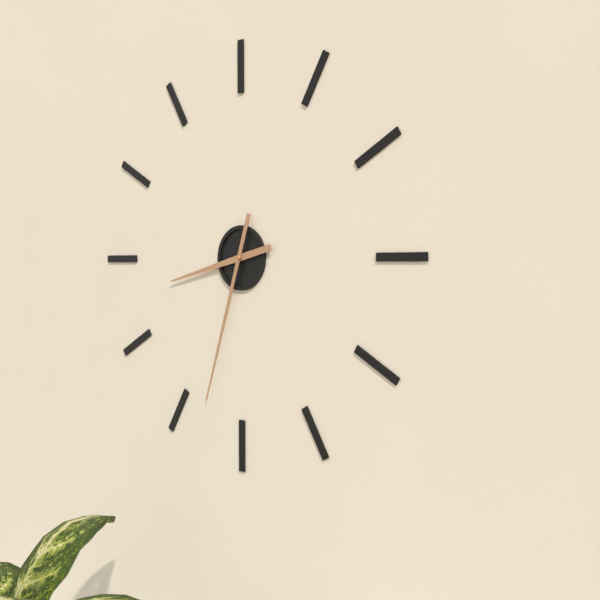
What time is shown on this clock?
8:33
